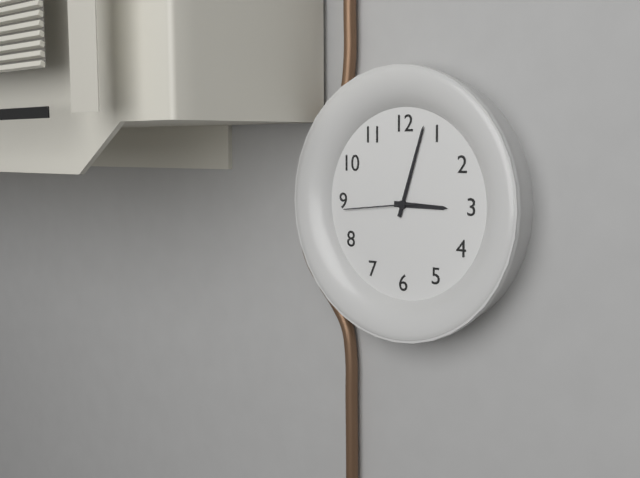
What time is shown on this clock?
3:03:44
